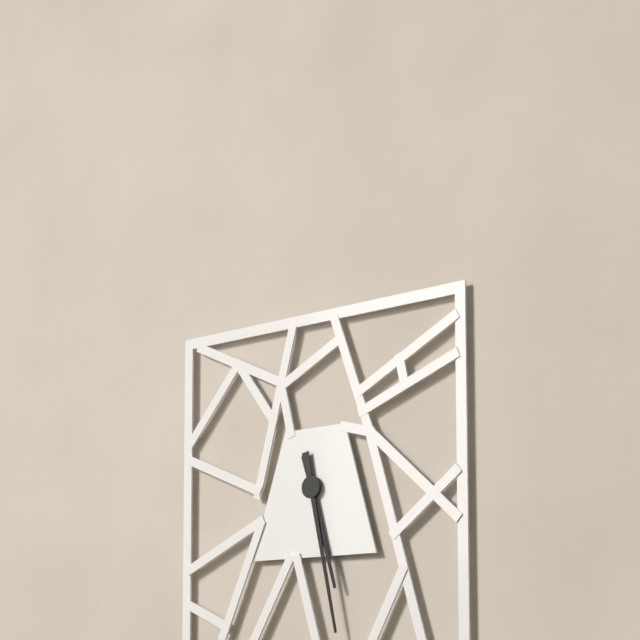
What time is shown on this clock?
5:28
